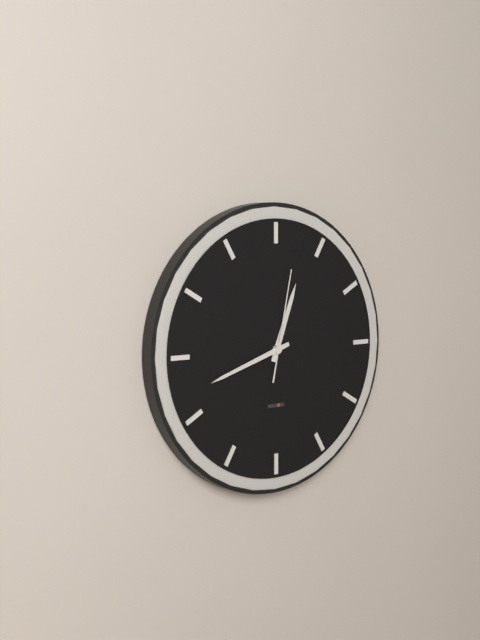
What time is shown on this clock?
12:42:02
